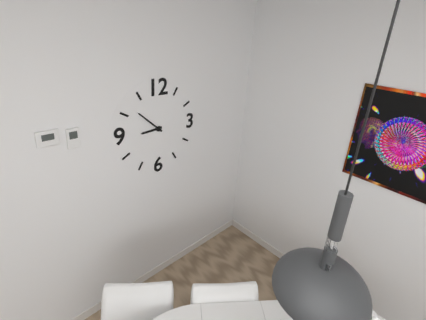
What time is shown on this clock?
8:52
